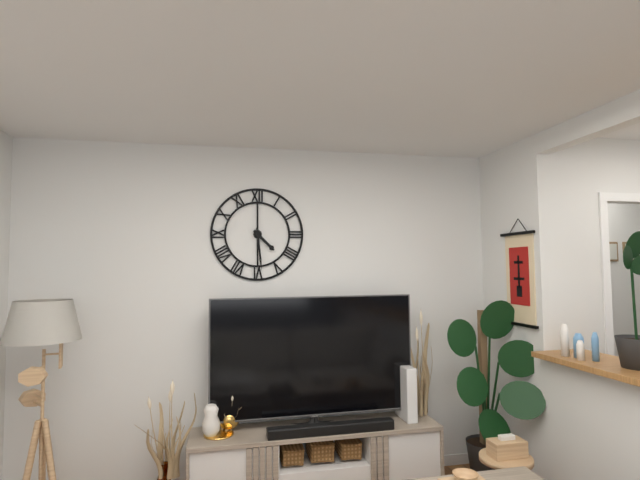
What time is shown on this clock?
4:29
